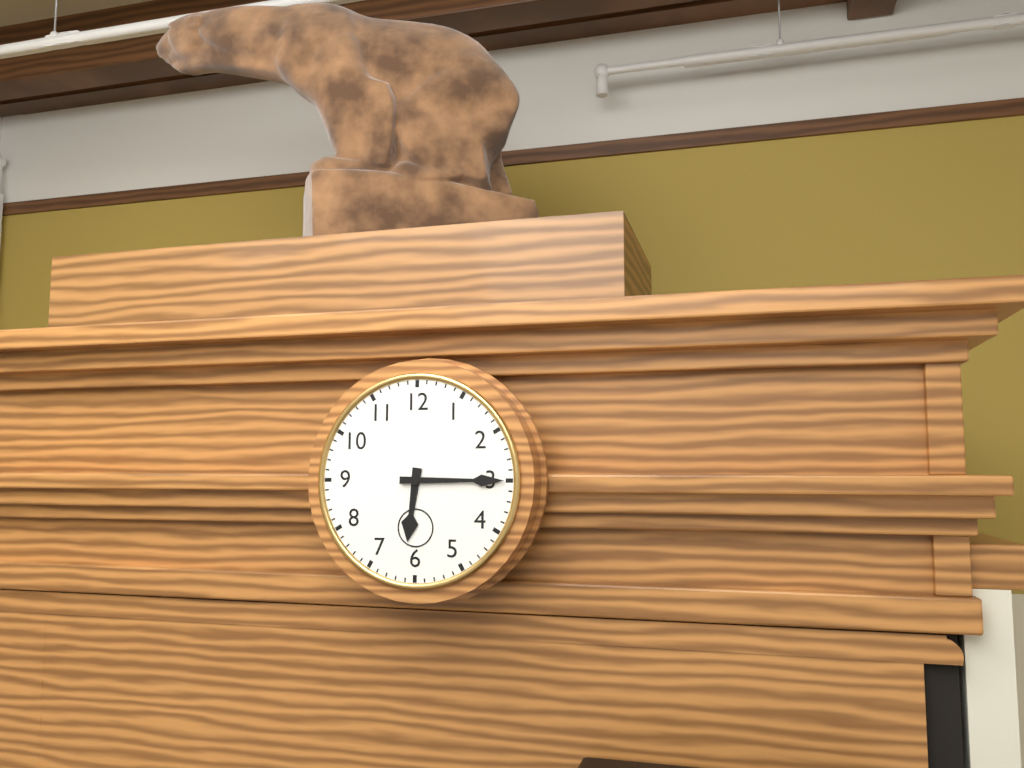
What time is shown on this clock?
6:15
